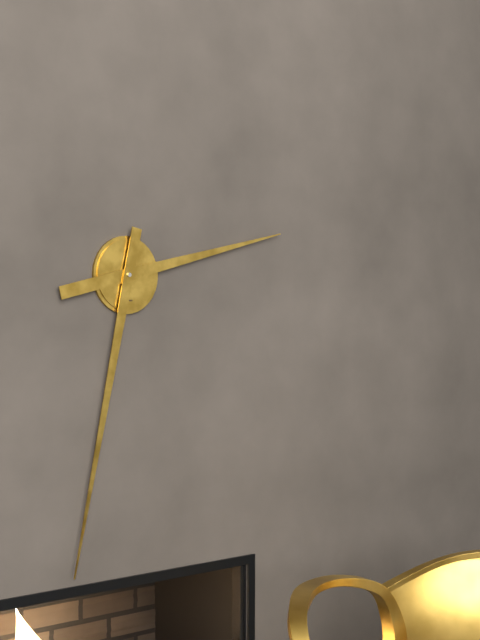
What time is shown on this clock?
2:32
